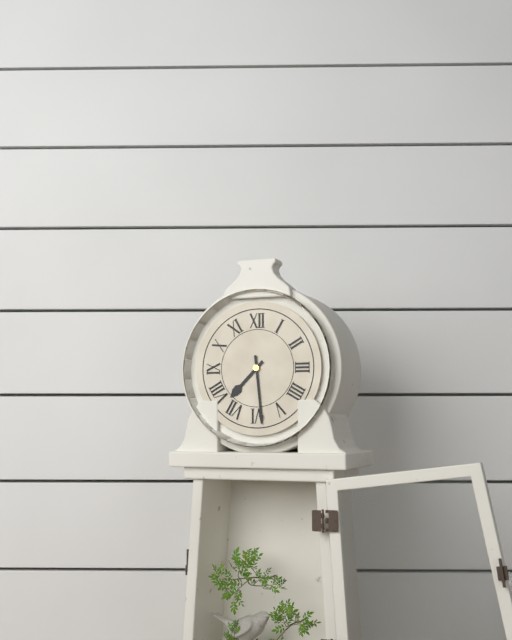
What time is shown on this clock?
7:29
